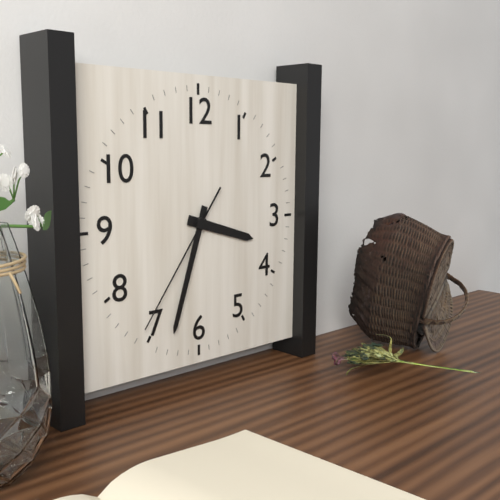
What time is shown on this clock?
3:33:36
